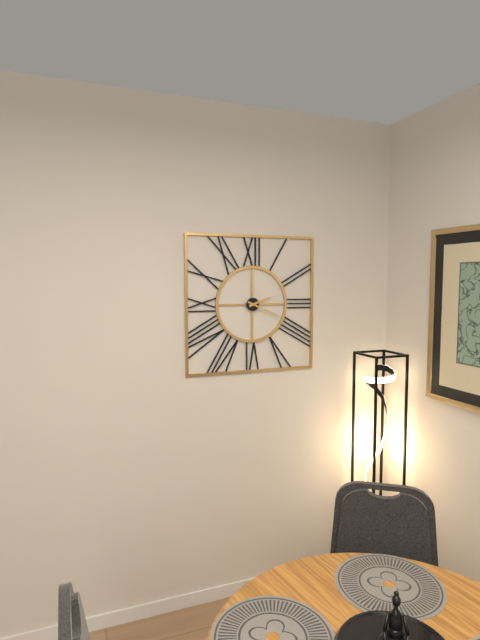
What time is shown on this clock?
2:19
